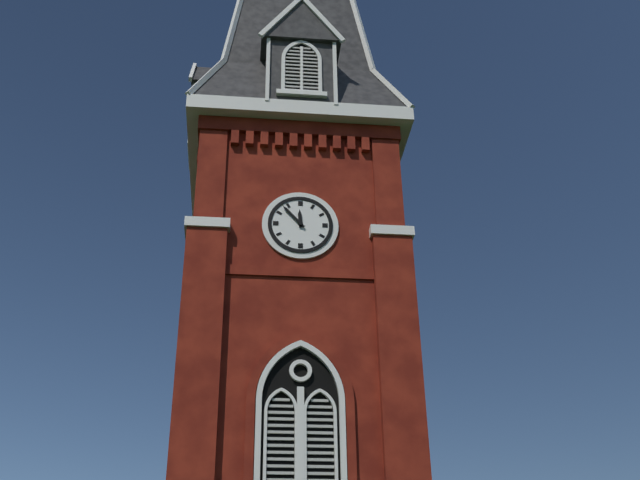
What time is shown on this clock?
11:53
